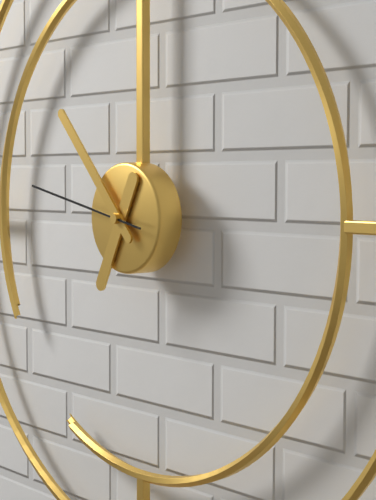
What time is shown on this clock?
6:53:47
